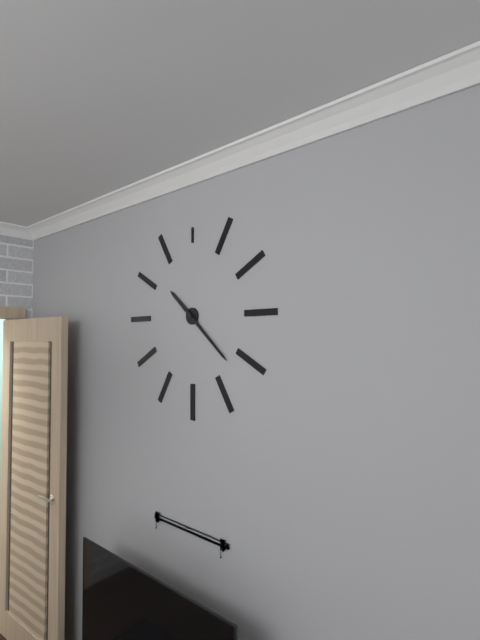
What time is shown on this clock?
10:22
